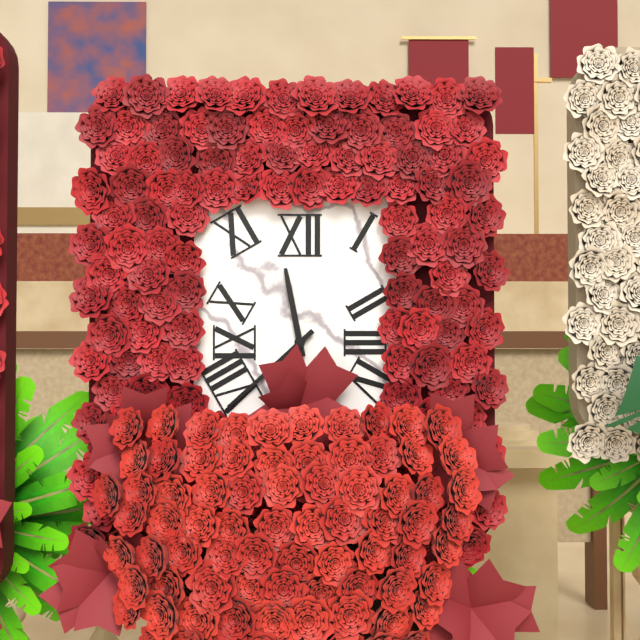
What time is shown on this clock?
11:38
